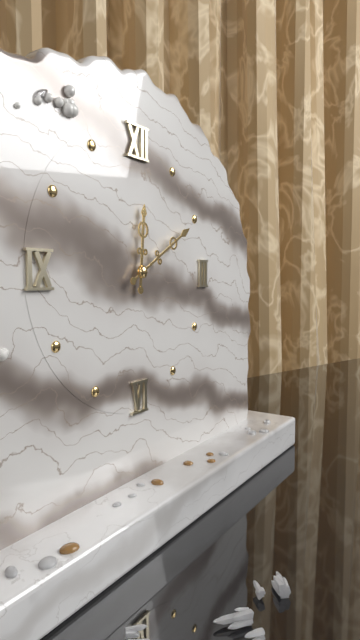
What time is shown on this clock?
12:10
